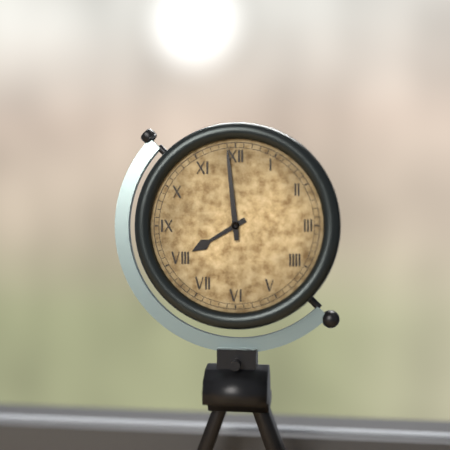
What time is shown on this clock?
7:59
